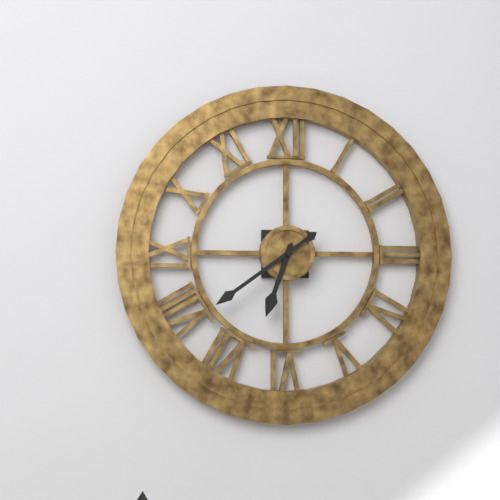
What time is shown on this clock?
6:39
